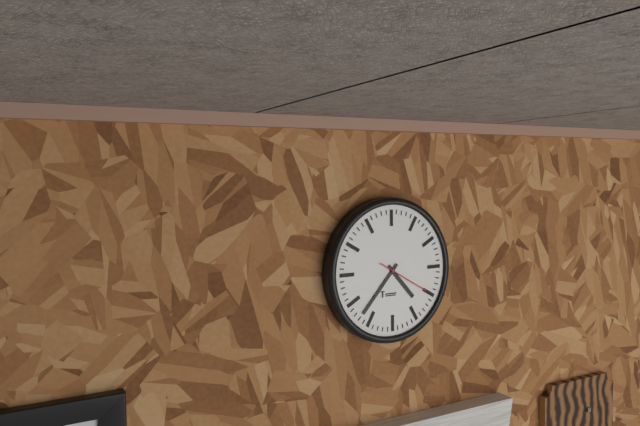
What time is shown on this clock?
4:37
